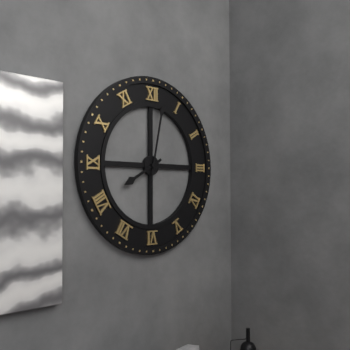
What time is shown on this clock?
8:02
